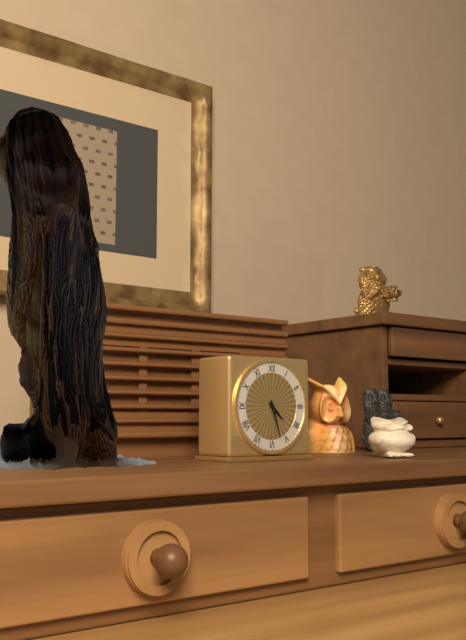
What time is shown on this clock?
4:27
